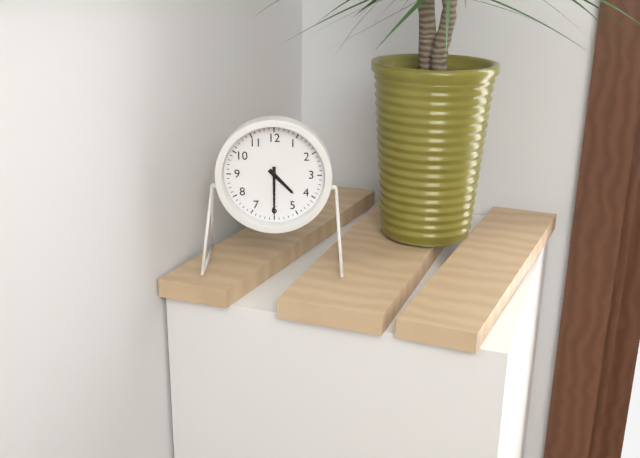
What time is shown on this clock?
4:30
